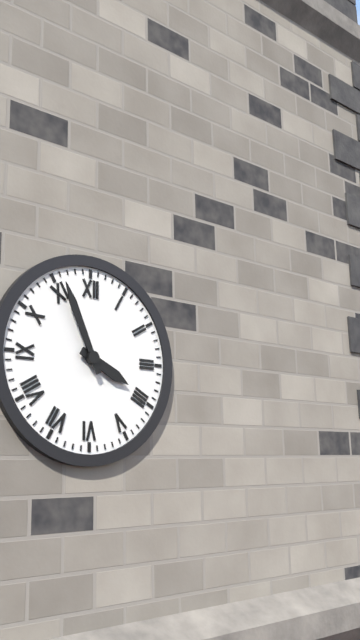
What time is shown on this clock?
3:56
